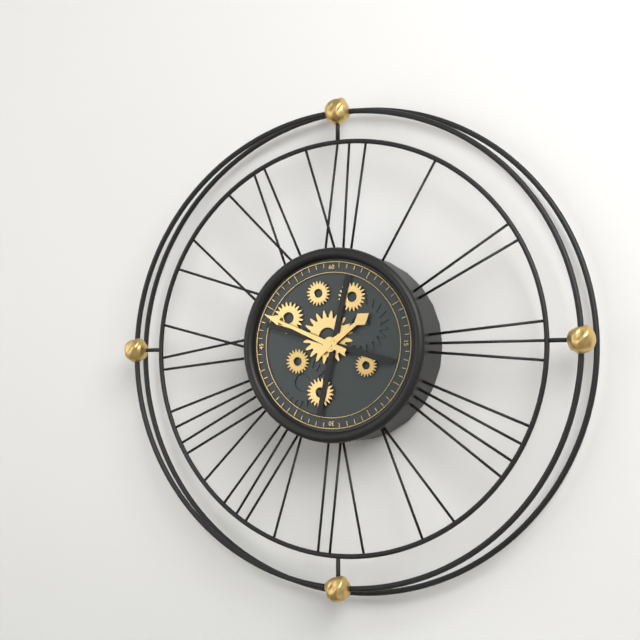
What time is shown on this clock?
1:49
